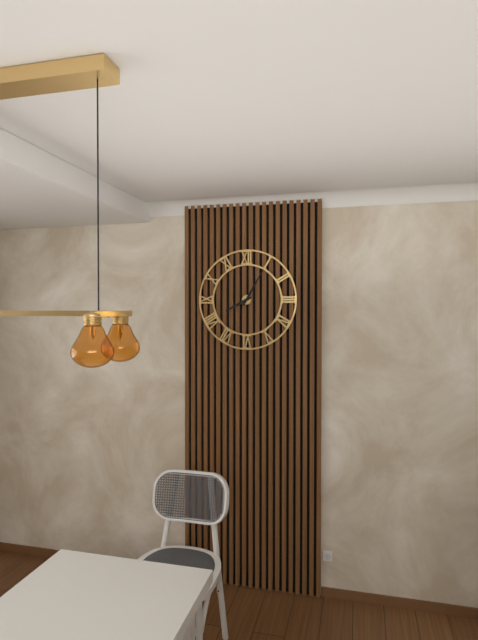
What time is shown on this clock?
8:05
